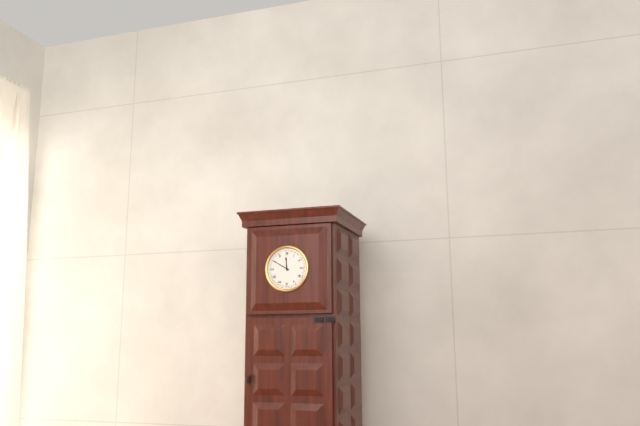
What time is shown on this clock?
11:50
